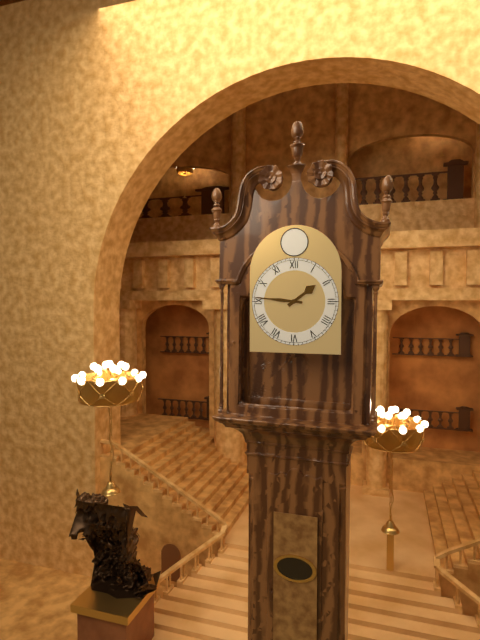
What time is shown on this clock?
1:46
